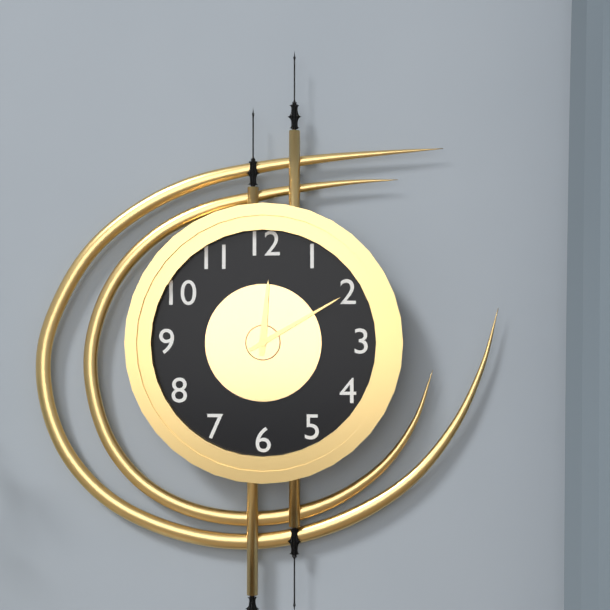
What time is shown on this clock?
12:10
